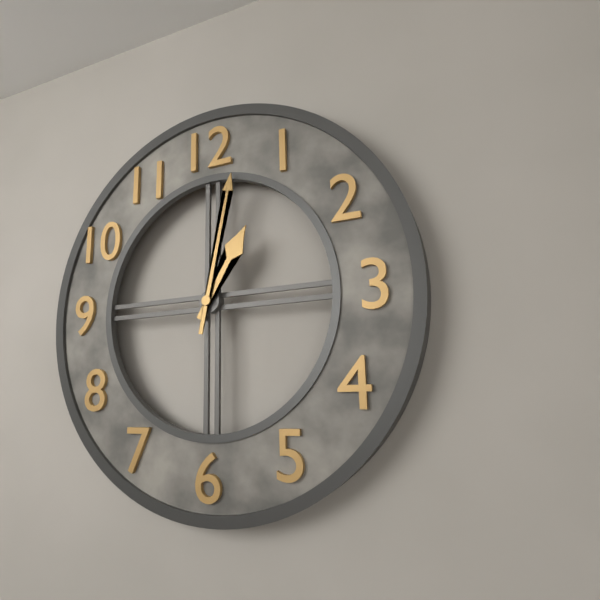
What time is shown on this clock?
1:02
